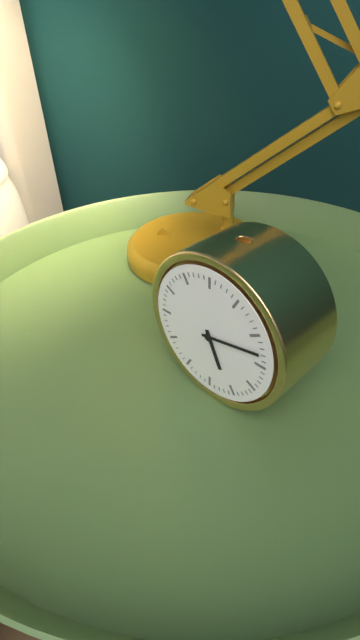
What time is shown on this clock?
5:13
